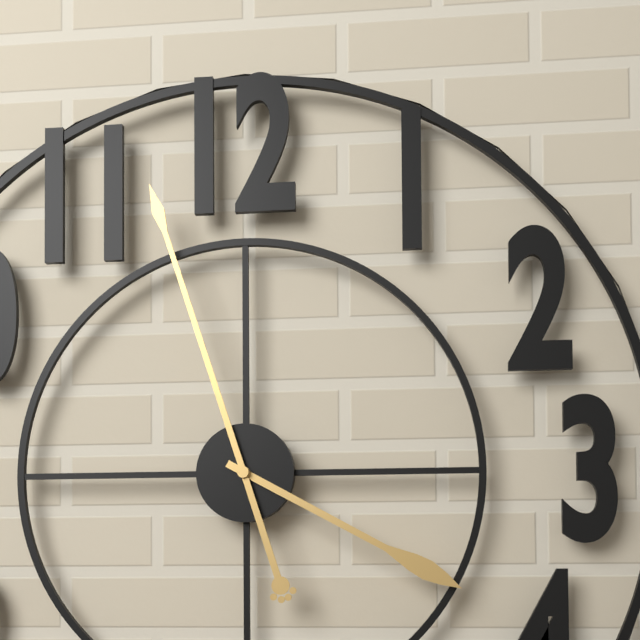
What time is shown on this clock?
3:57
